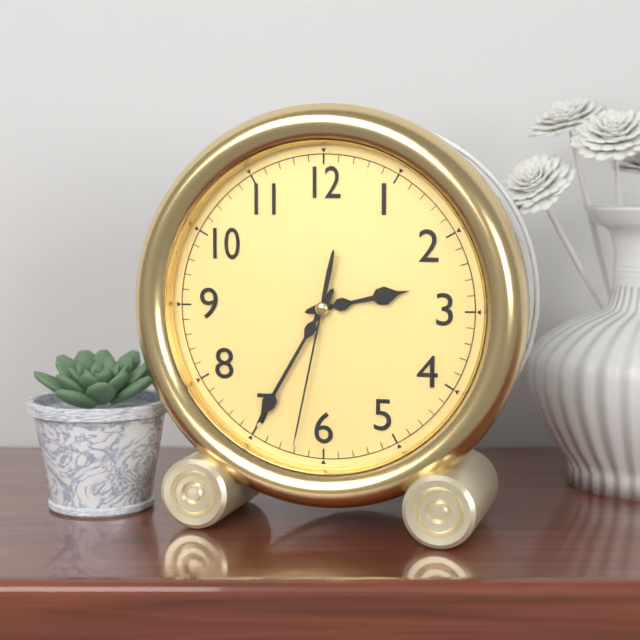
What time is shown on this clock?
2:35:32
